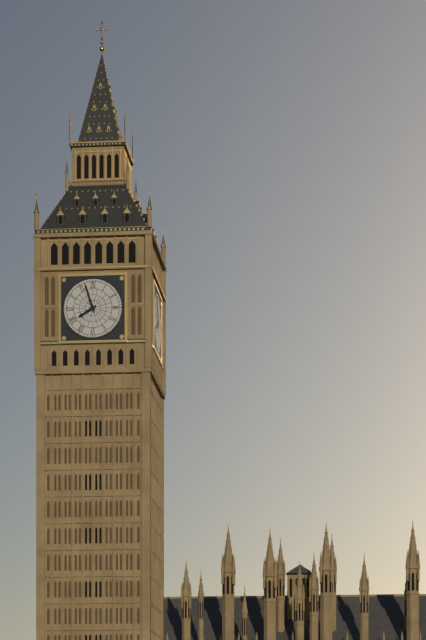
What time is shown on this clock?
7:57
